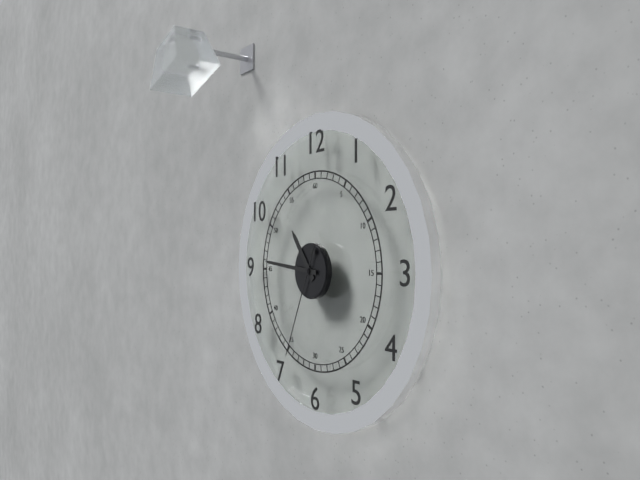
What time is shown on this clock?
10:46:34
